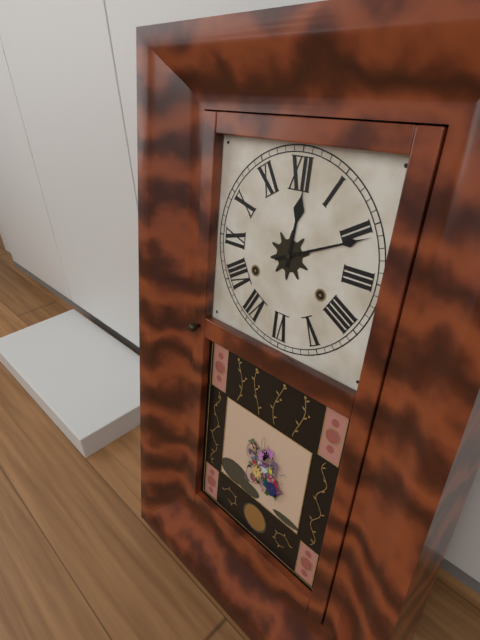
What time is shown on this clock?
12:11
